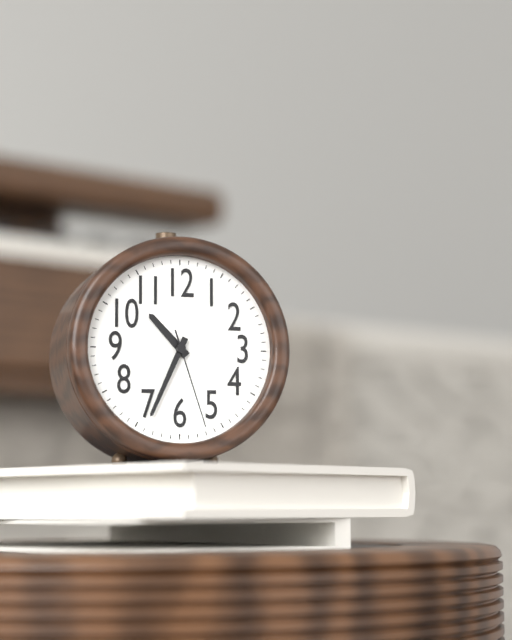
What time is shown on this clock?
10:34:27
